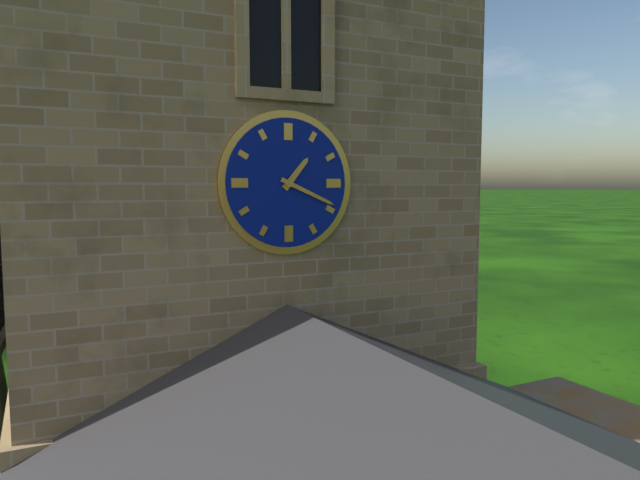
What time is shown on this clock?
1:19
